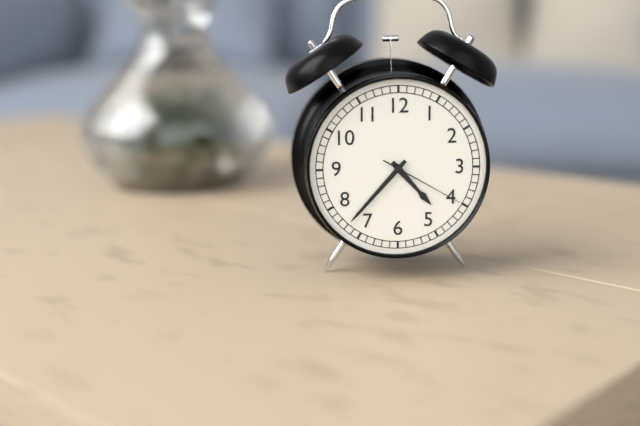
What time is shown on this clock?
4:37:20
